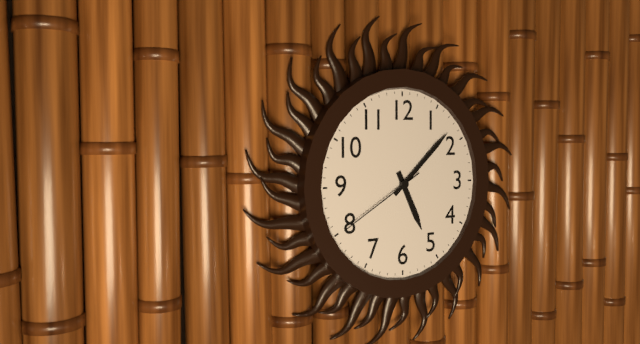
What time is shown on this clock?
5:08:40
